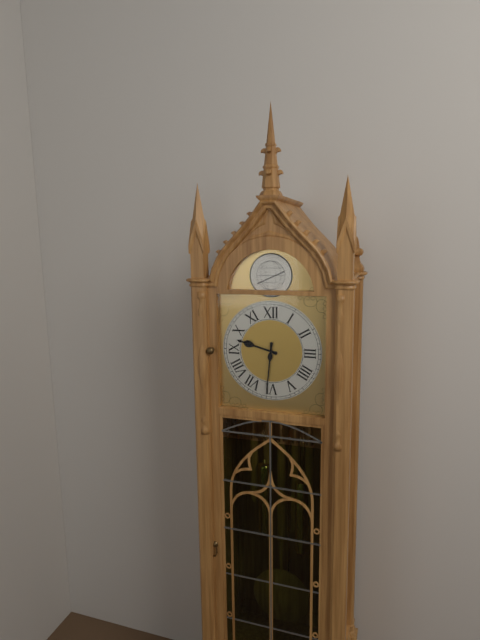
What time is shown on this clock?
9:31
